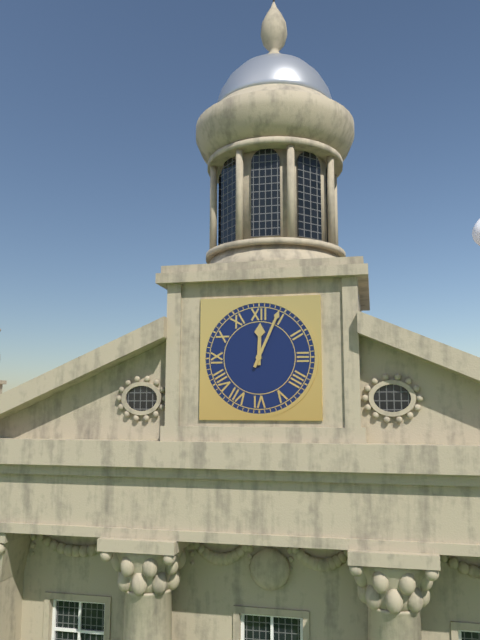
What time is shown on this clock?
12:04
